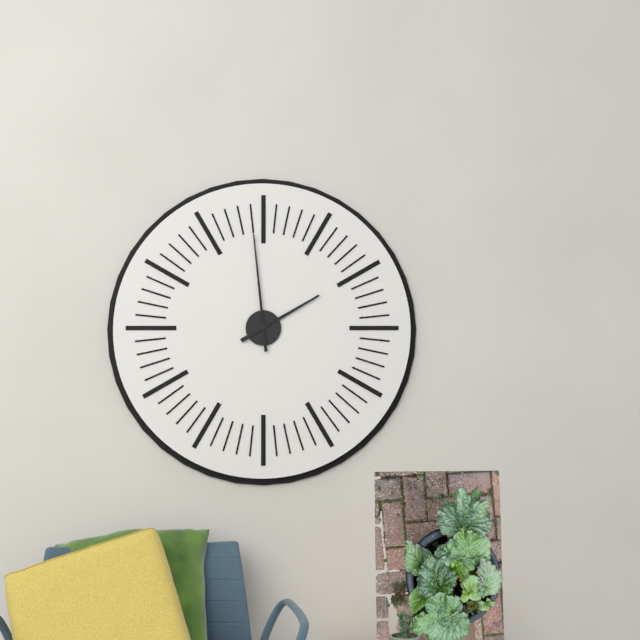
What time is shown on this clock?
1:59
